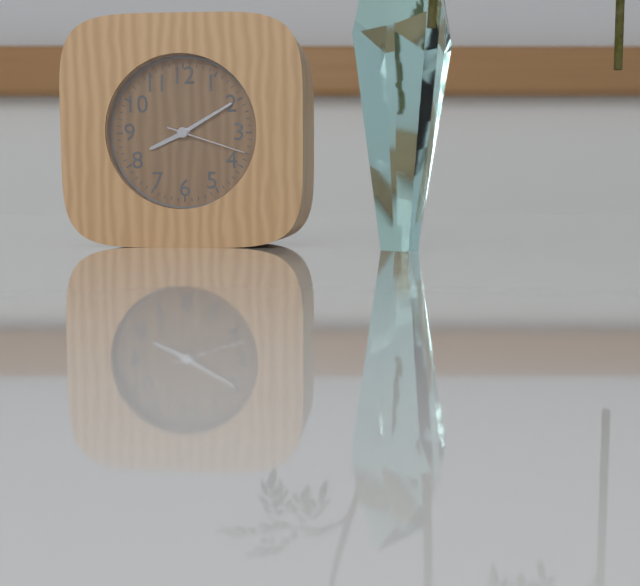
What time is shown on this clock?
8:10:18
